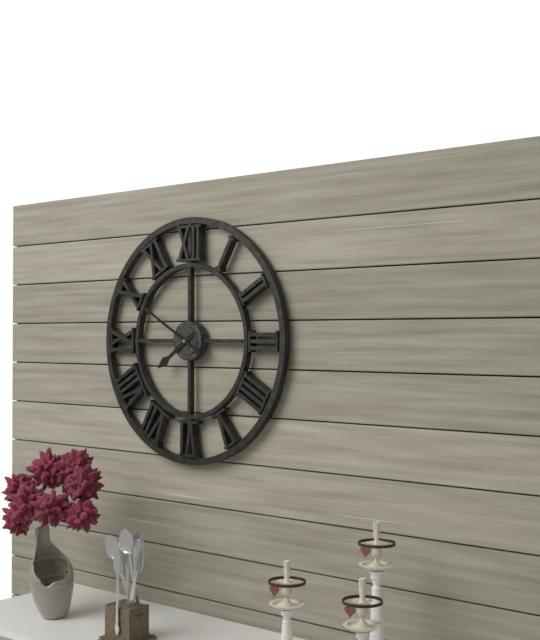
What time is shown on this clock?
7:50
